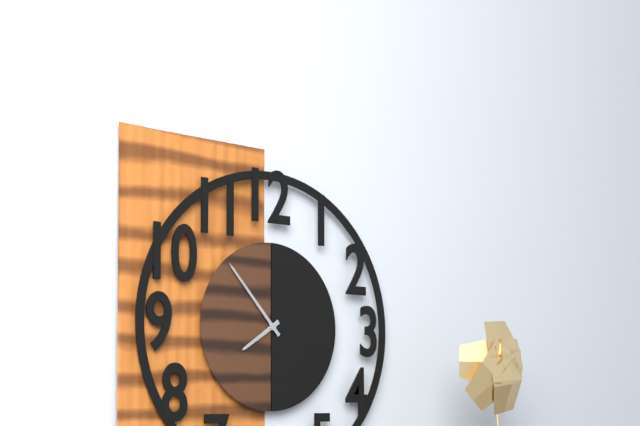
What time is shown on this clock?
7:53
